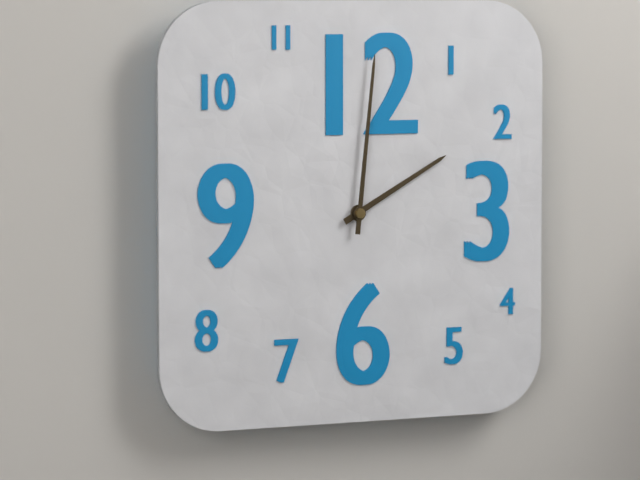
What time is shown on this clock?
2:01
